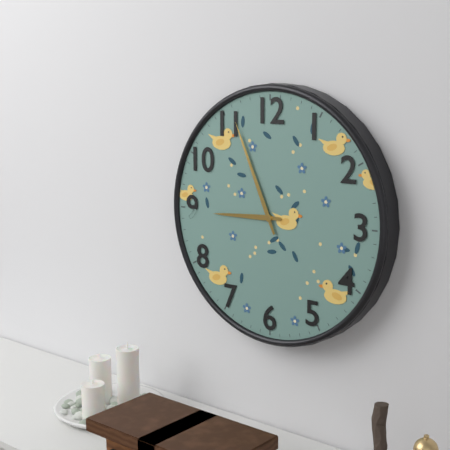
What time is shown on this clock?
8:56
